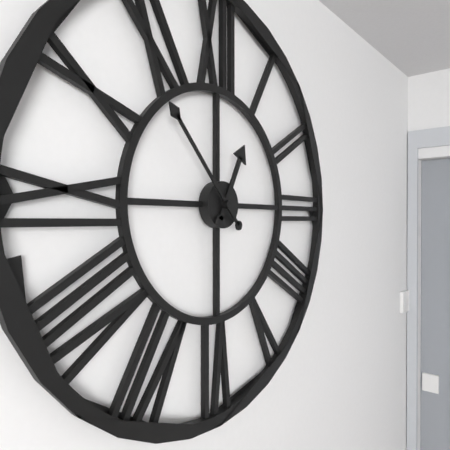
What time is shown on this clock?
12:53
